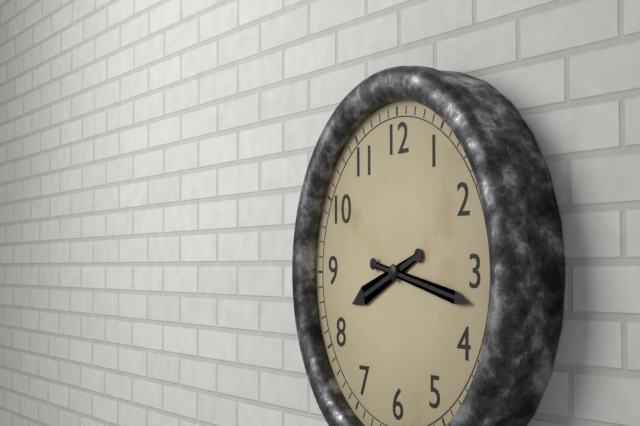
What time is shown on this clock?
8:17
